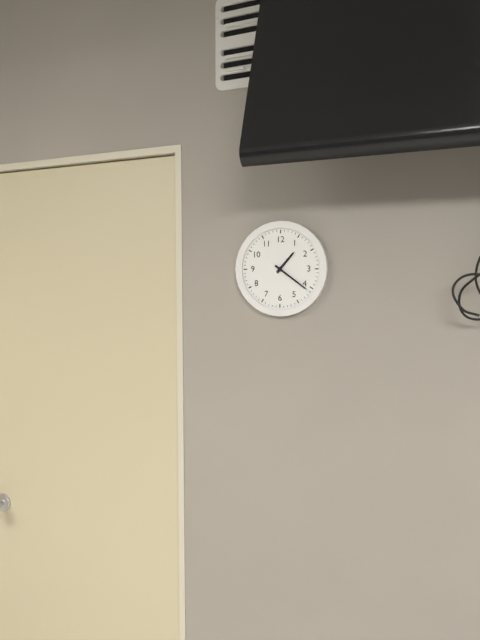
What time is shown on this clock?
1:21
